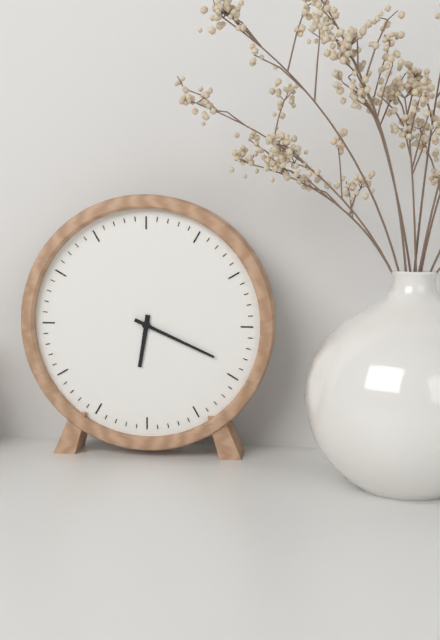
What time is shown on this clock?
6:19
